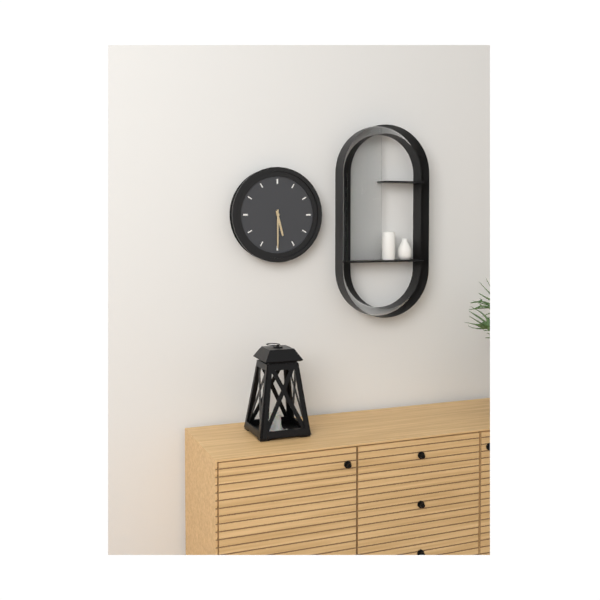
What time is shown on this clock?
5:30
